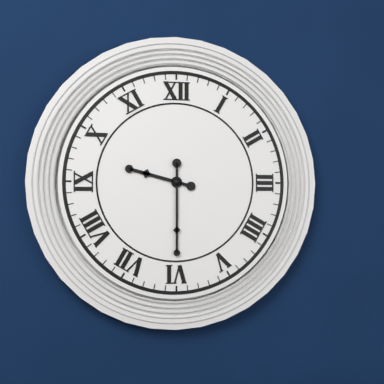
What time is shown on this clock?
9:30
